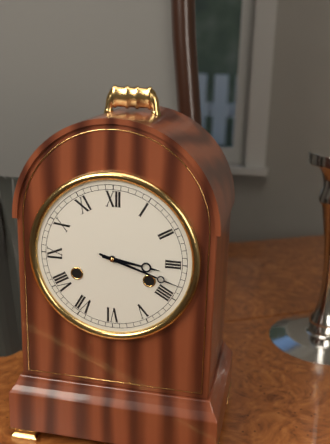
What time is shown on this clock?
3:18
